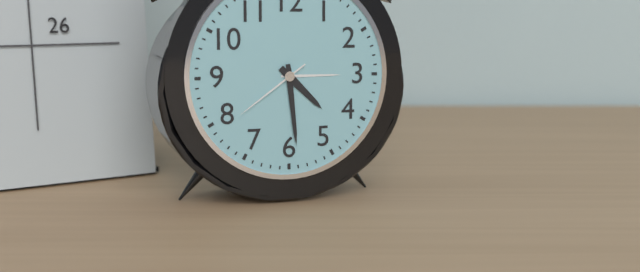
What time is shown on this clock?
4:29:39
